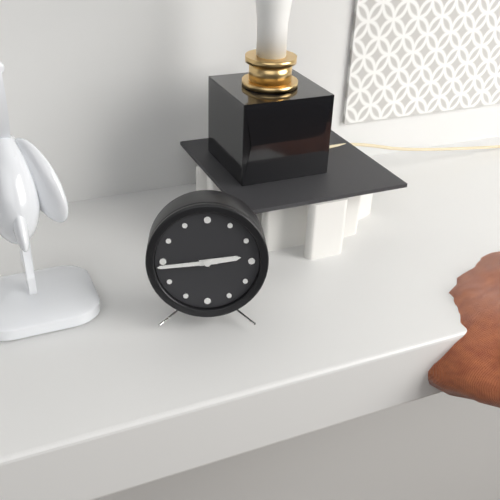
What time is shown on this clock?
2:44
